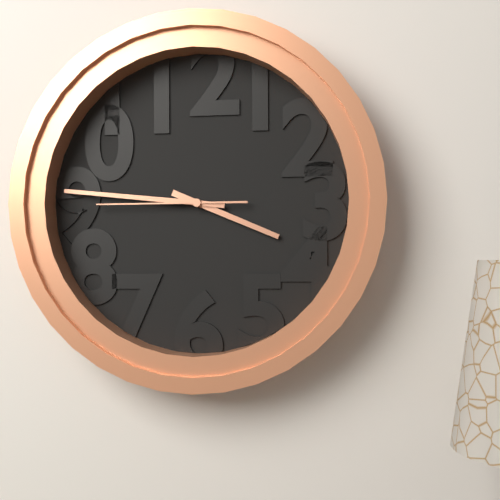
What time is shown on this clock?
3:46:45
